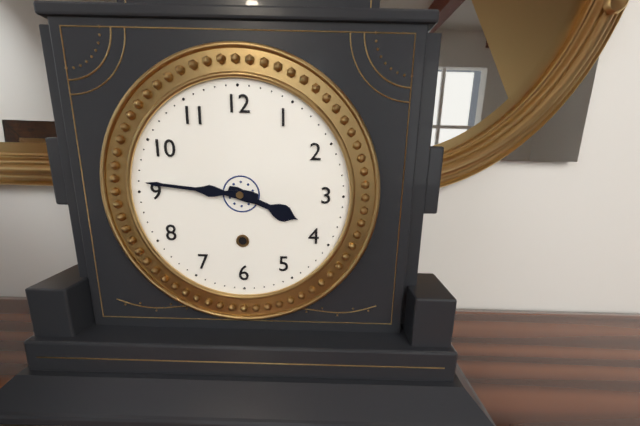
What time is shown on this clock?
3:46
